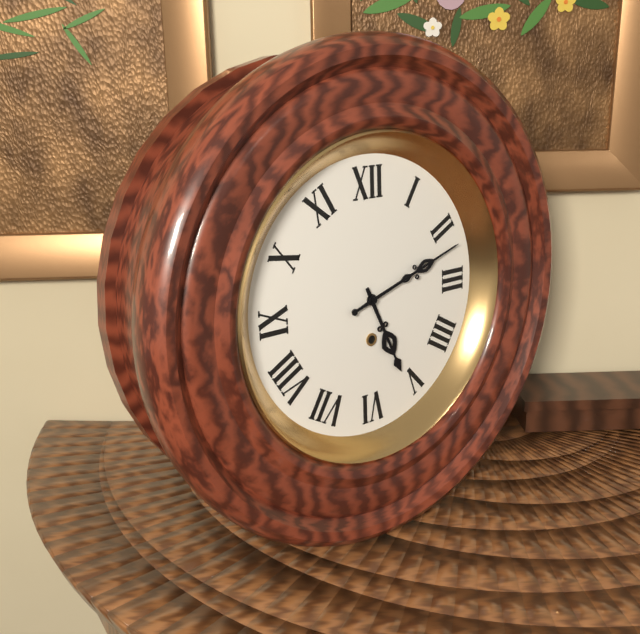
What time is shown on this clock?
5:12
